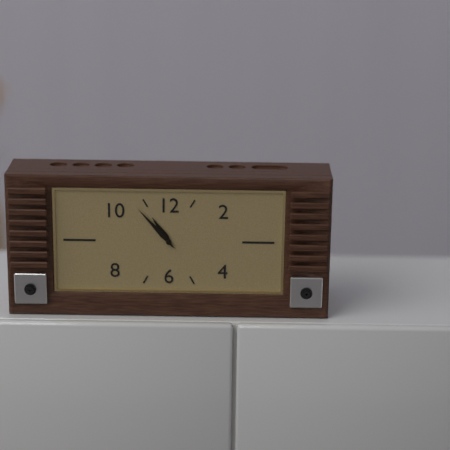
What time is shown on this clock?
10:53
